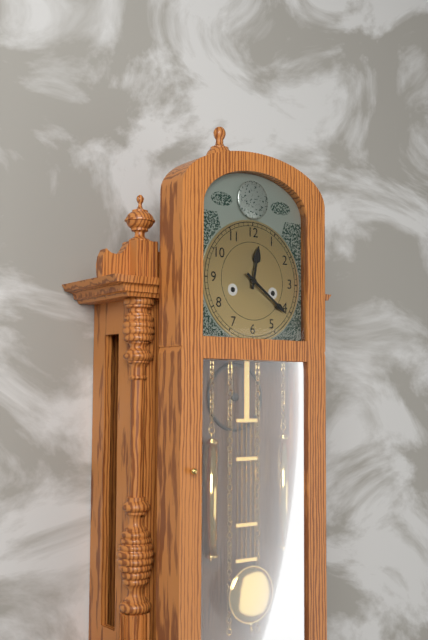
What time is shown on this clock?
12:21
